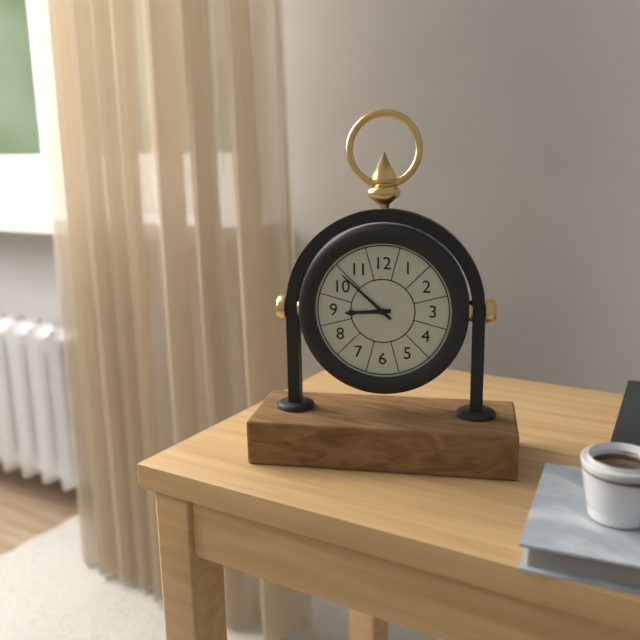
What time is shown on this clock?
8:52
